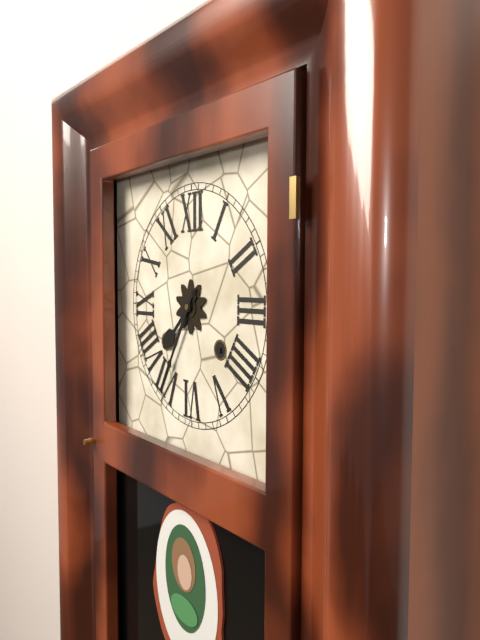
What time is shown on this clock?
7:35
